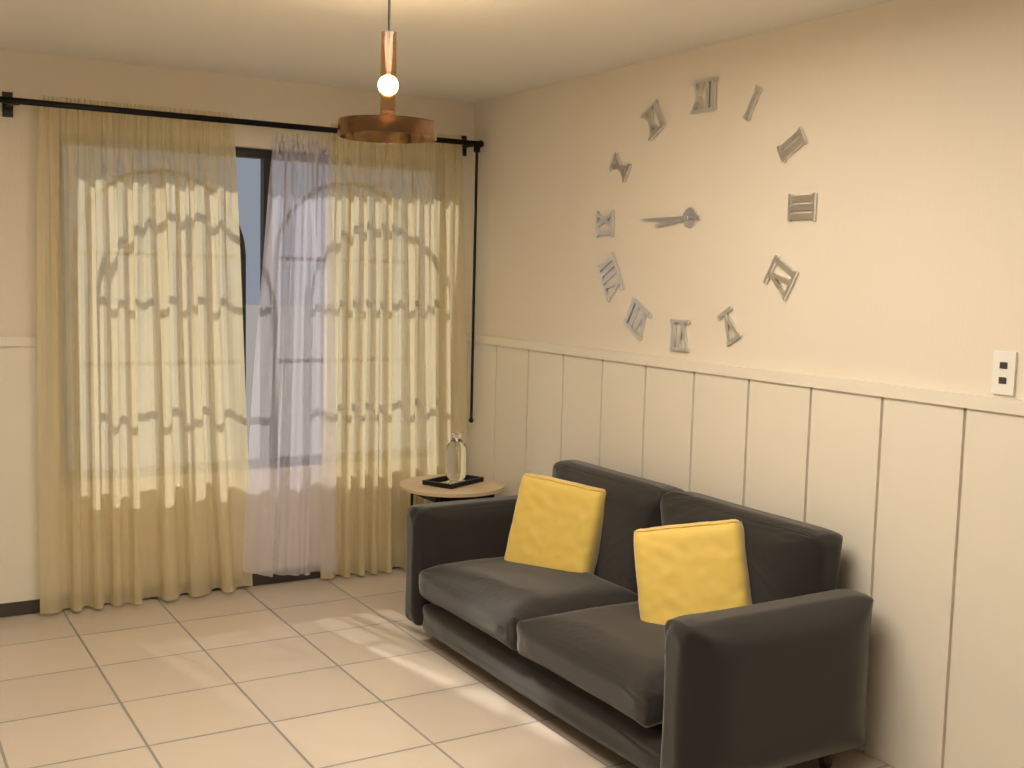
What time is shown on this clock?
8:45
